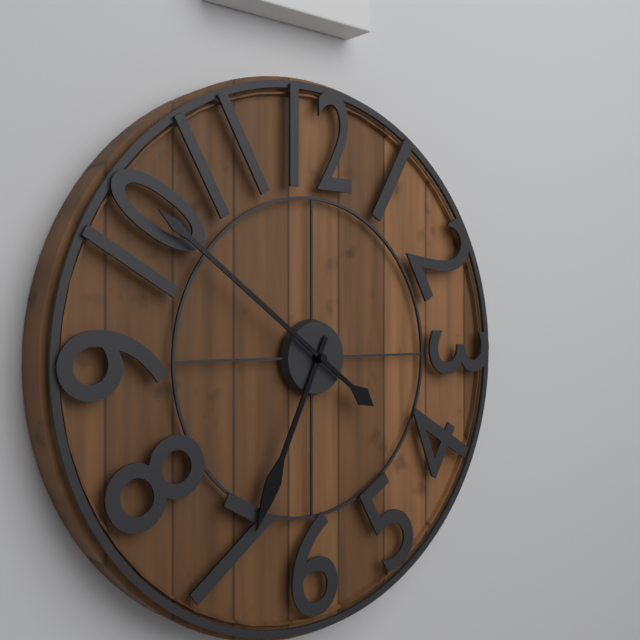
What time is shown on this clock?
6:51
